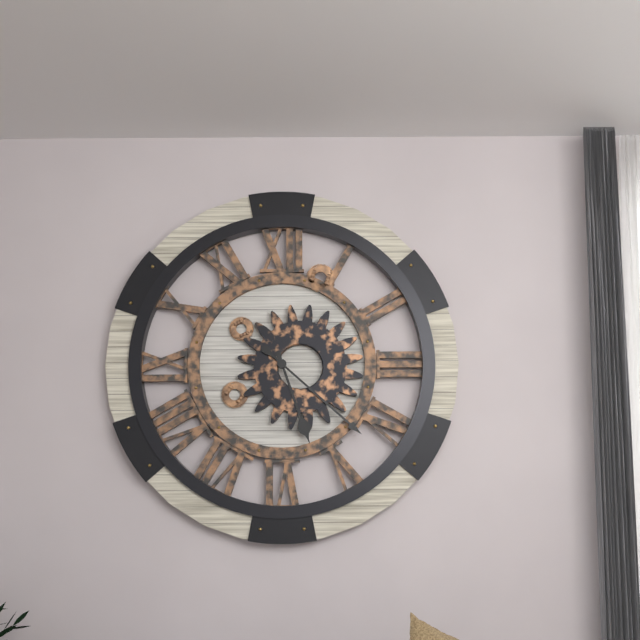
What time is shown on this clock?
5:22
